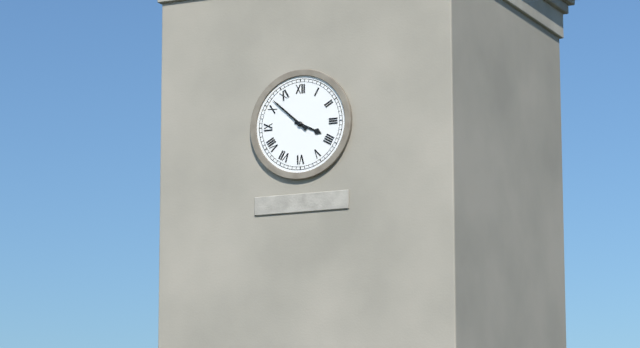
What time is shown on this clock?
3:52
